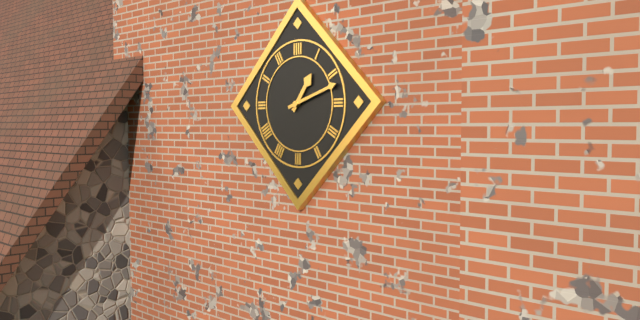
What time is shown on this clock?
1:12
